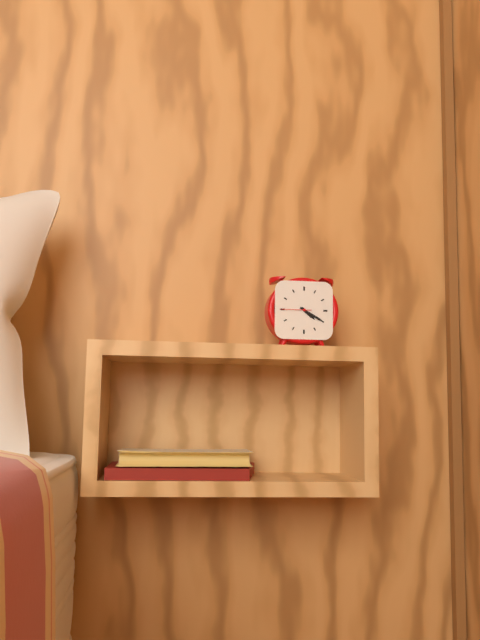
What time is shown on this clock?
4:20
